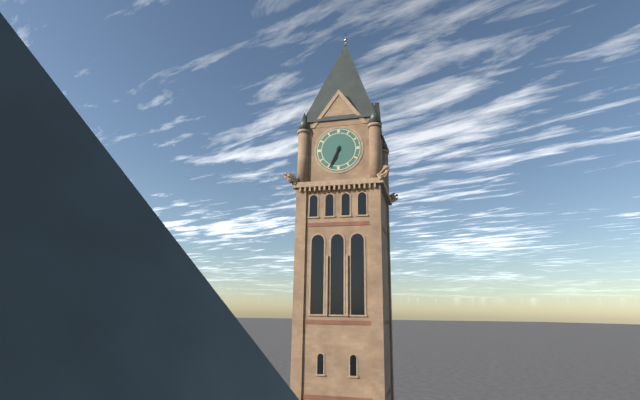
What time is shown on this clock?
6:34
